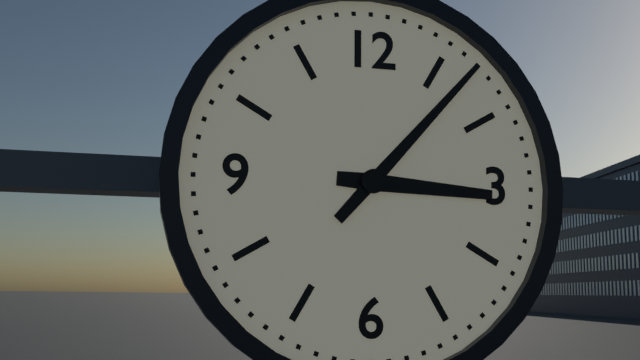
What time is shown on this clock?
3:07
